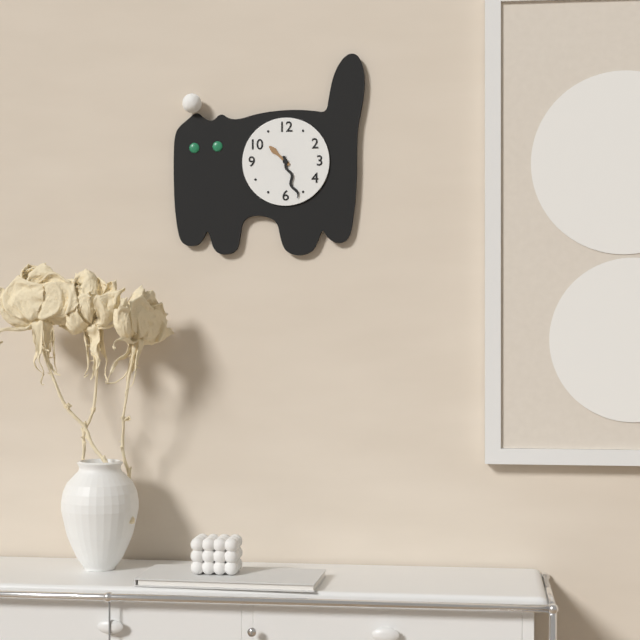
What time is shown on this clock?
10:27
